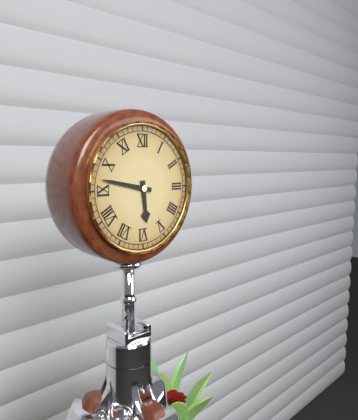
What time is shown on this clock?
5:47
